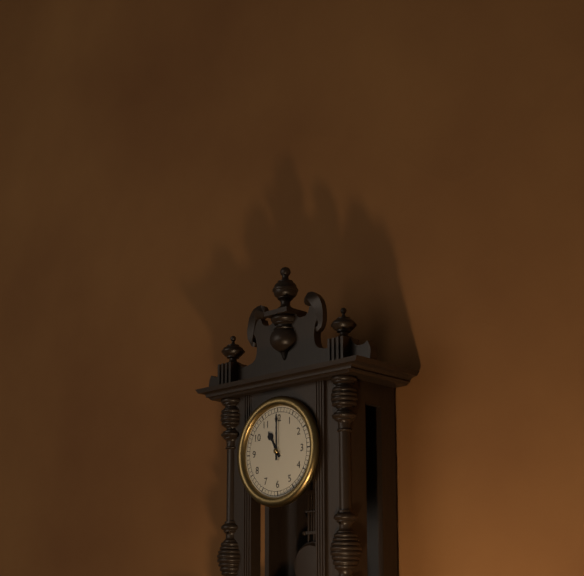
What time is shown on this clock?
11:00
